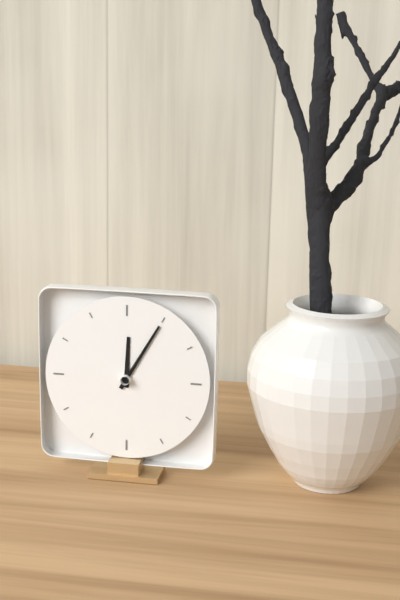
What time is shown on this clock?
12:05
